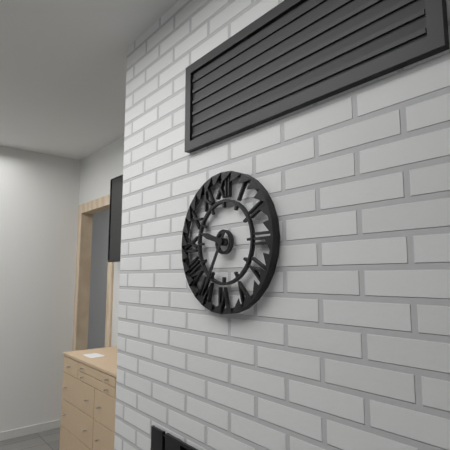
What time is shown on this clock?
9:35
